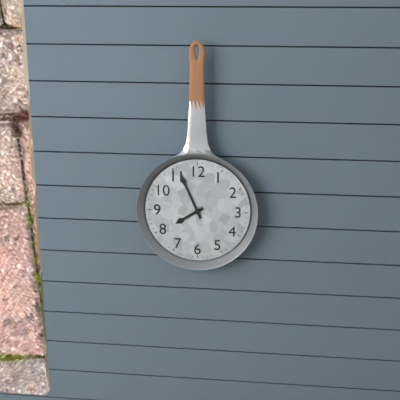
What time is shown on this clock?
7:56
